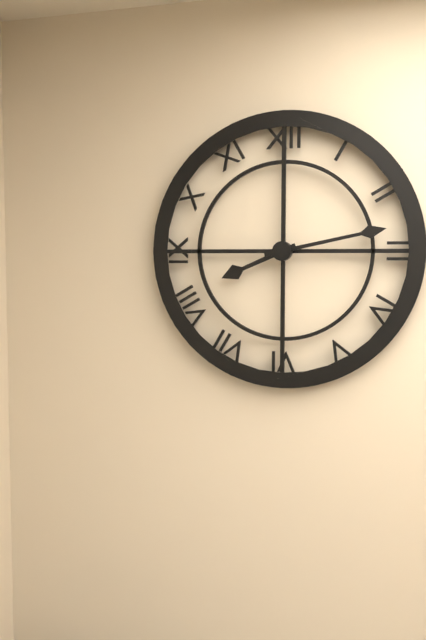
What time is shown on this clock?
8:13
